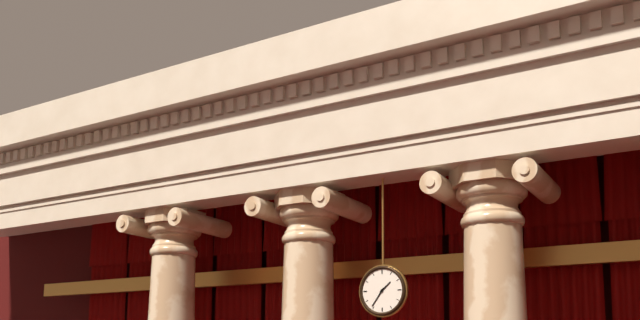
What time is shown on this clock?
1:36
